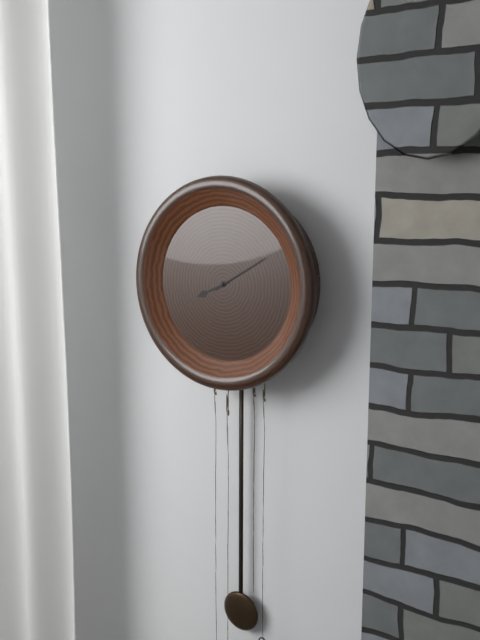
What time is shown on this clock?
8:10
